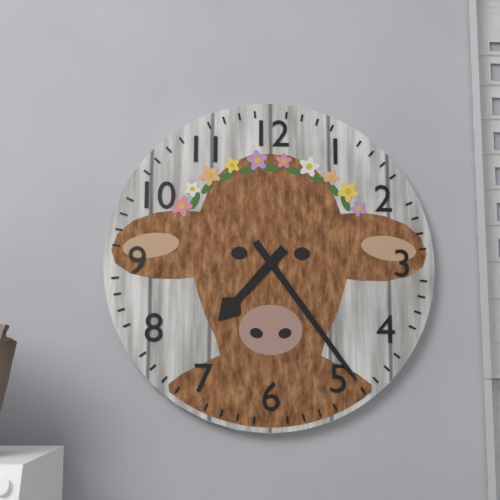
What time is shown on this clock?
7:24
